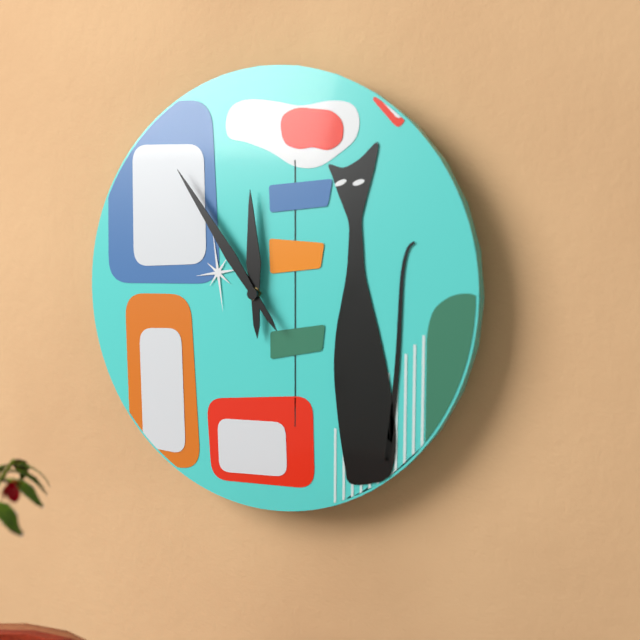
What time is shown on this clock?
11:54
